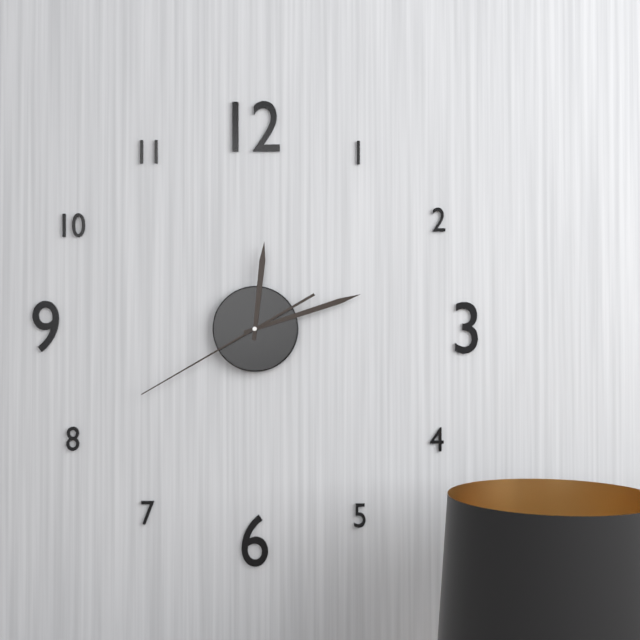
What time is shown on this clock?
12:12:40
